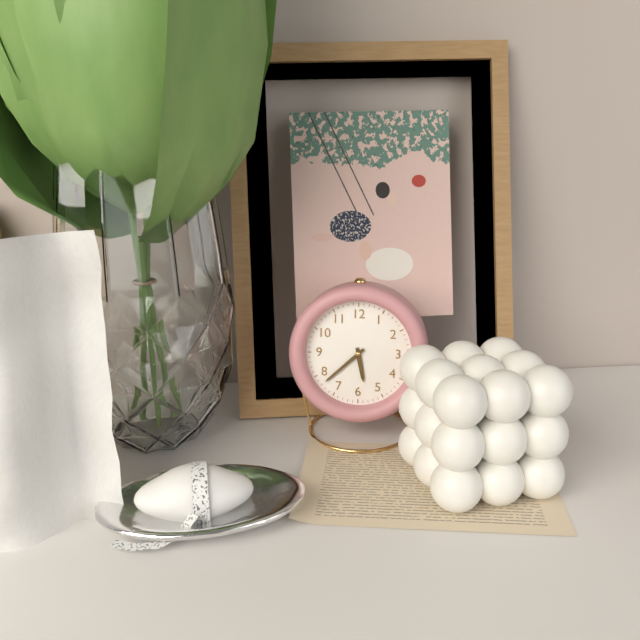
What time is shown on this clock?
5:38
